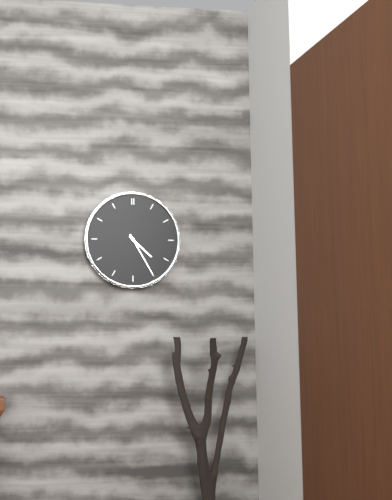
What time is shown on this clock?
4:25
